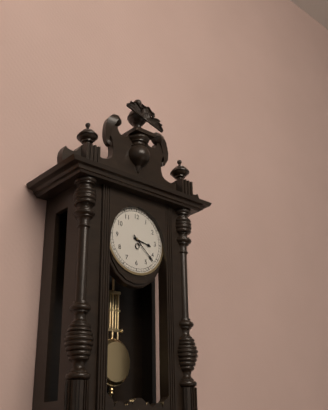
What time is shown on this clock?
3:22
